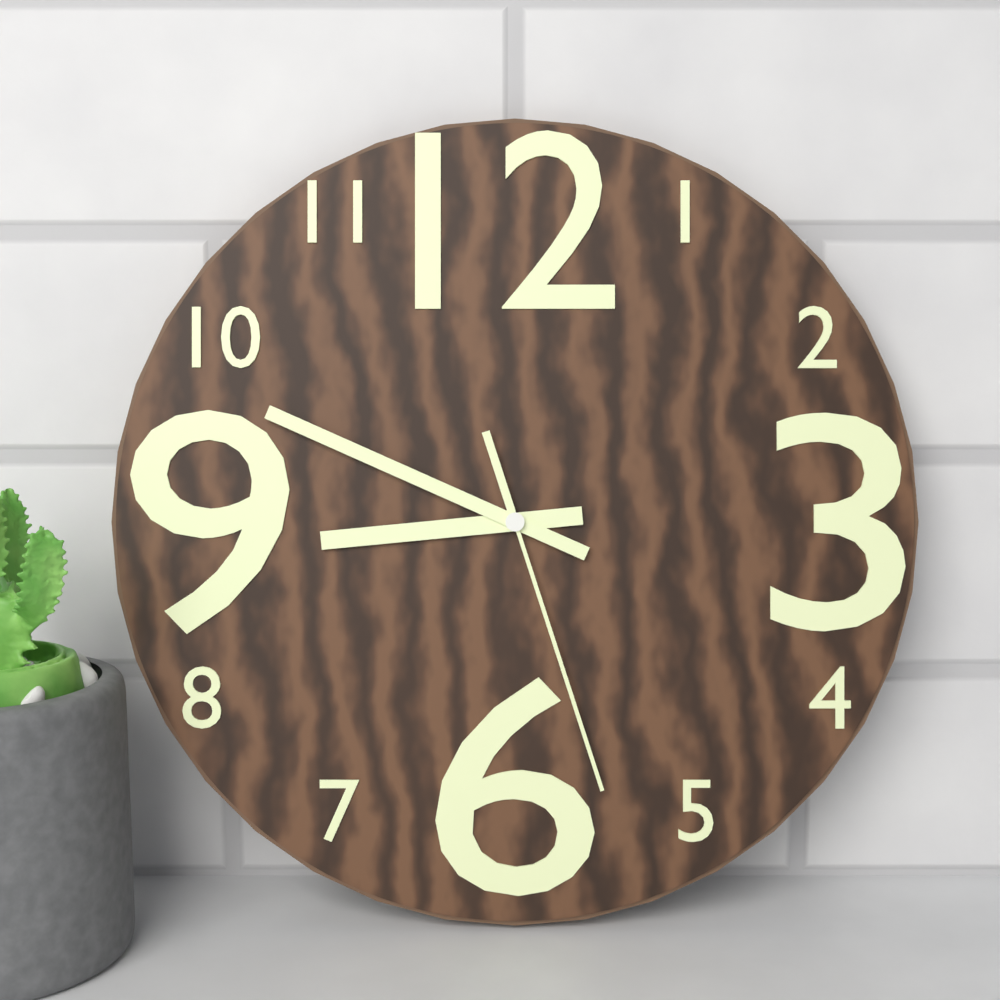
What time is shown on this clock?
8:49:27
